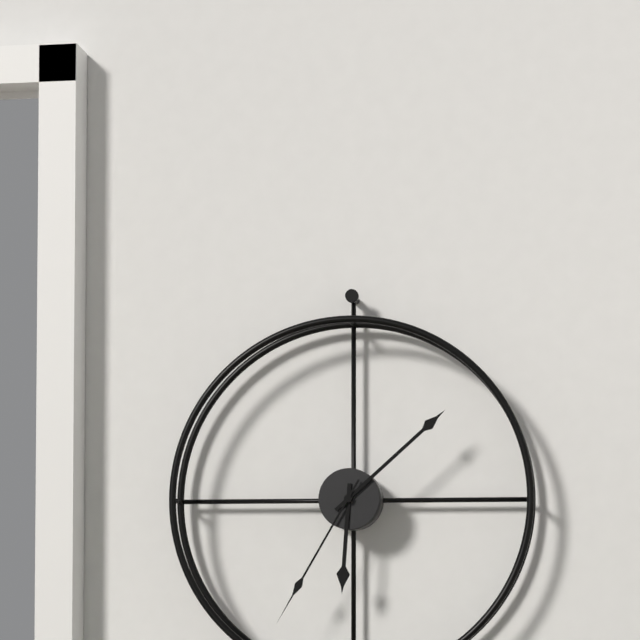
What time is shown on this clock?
6:08:35
